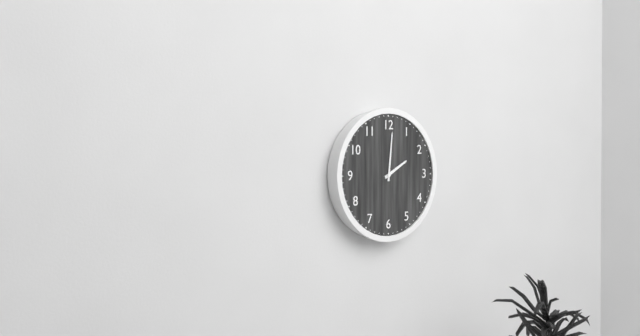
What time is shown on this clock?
2:01
